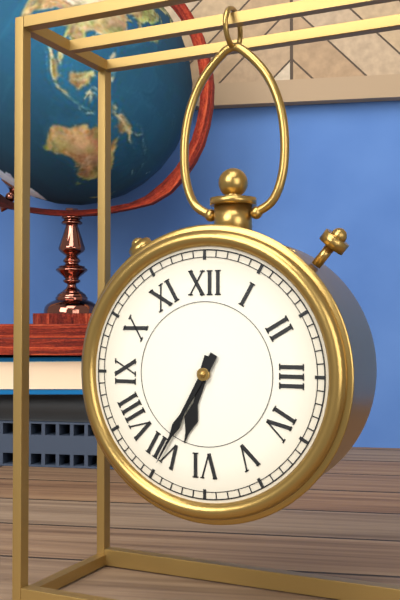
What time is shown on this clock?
6:35
